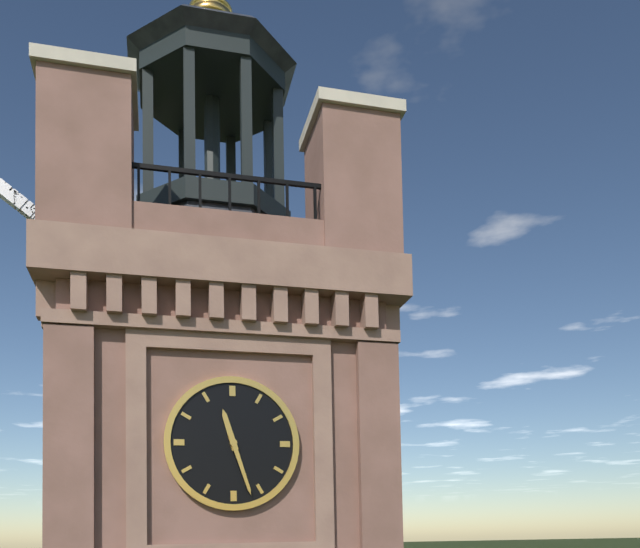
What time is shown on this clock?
11:27
